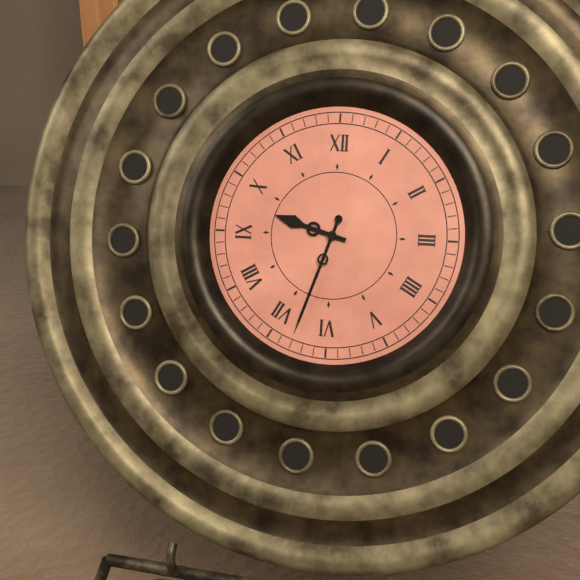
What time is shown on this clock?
9:33
